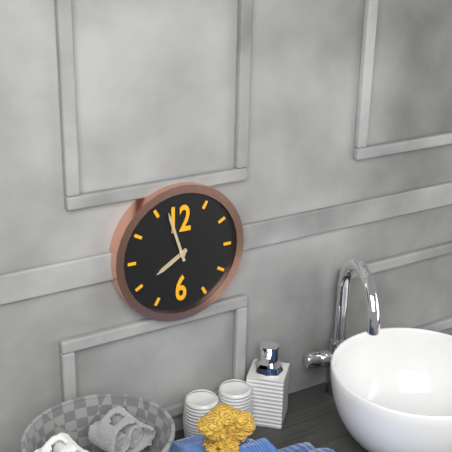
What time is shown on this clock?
7:57
